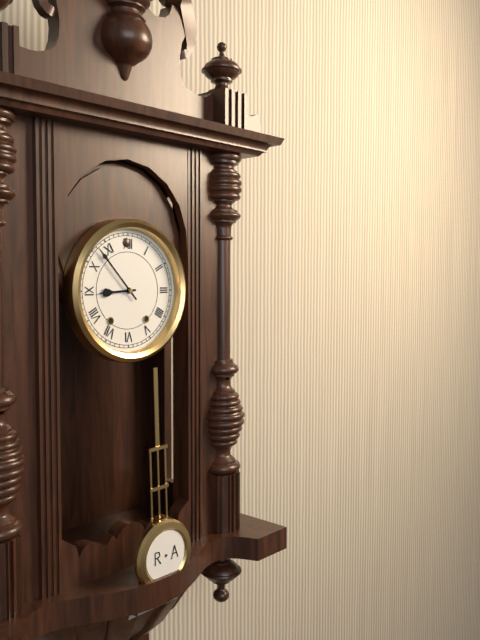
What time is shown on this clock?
8:53
